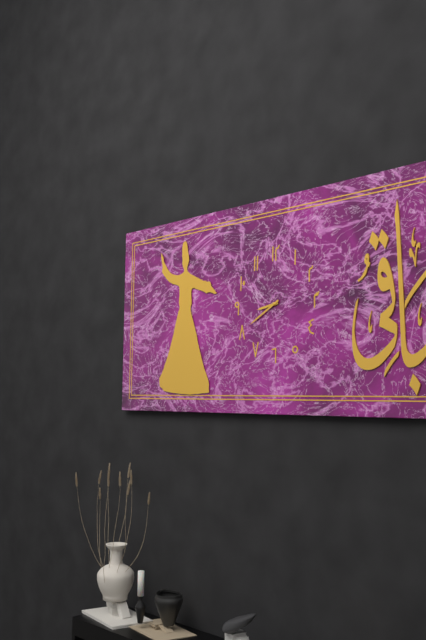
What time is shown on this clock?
8:40
